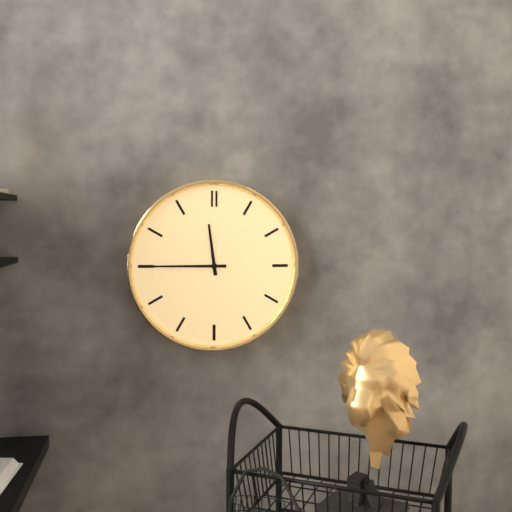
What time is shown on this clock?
11:45
